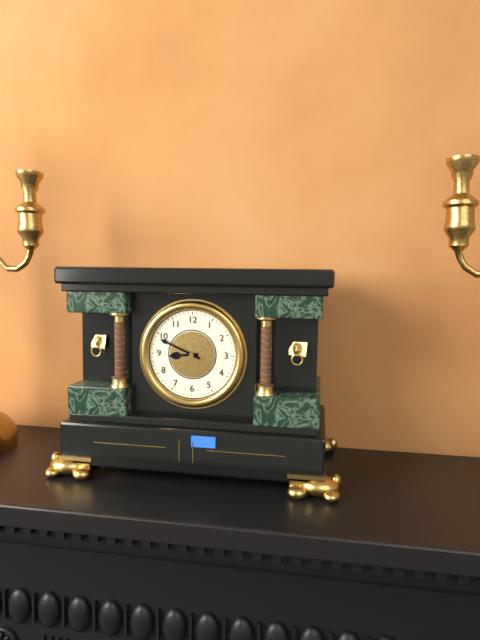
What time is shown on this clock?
8:49
